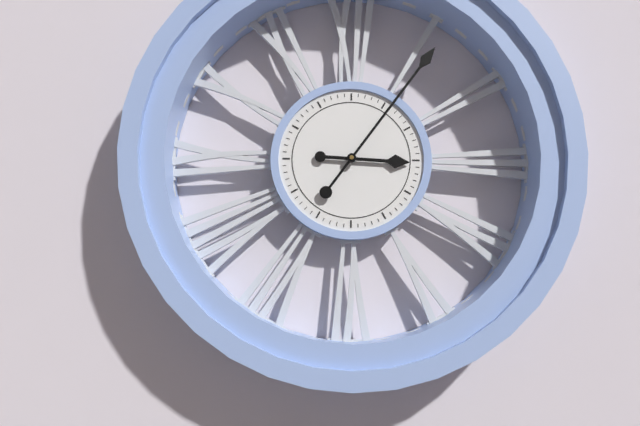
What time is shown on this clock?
3:06
